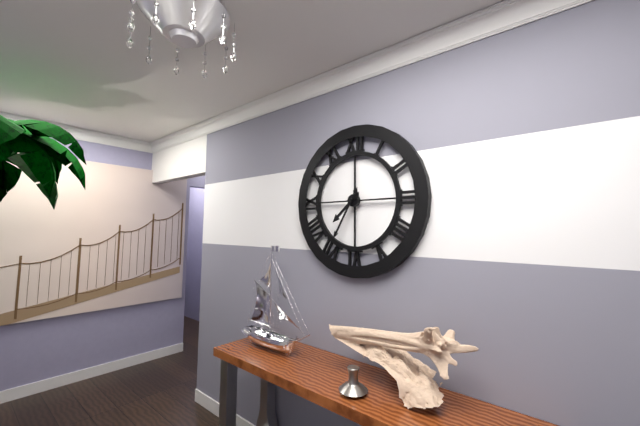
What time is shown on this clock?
7:35
